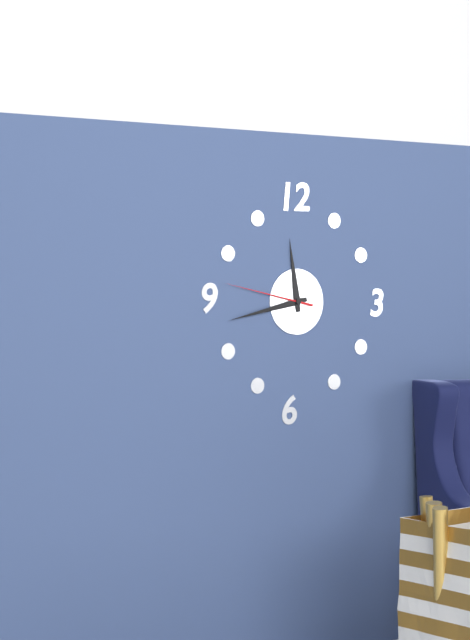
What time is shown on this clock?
11:43:47
